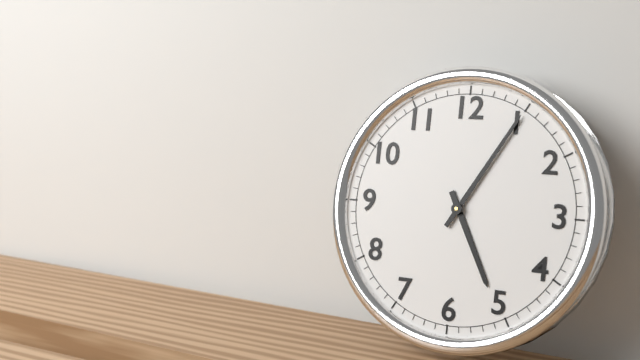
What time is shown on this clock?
5:05
